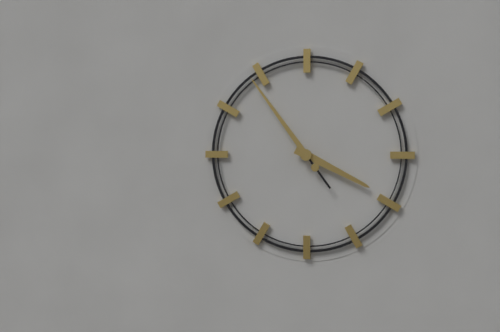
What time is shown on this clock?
3:54
